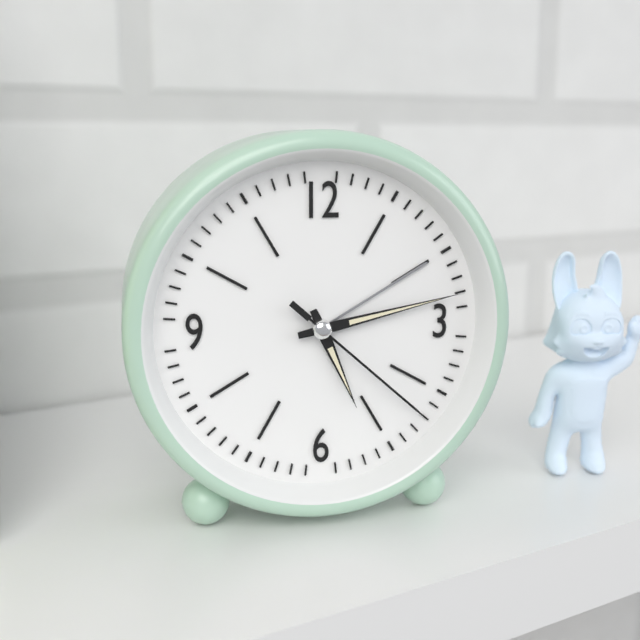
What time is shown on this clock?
5:13:22
